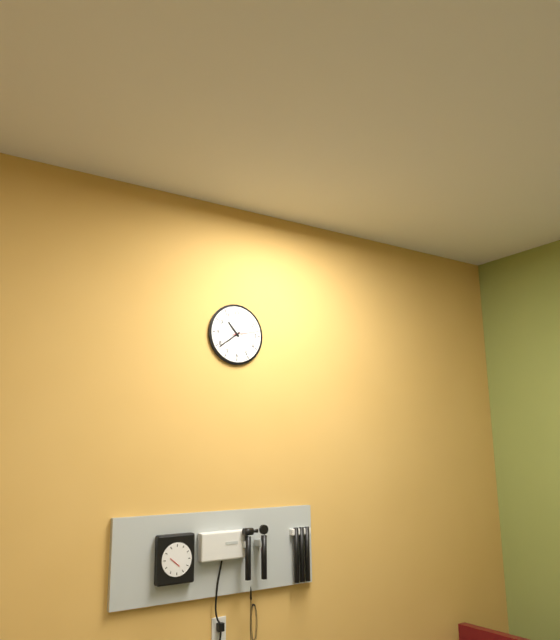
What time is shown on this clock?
10:39
